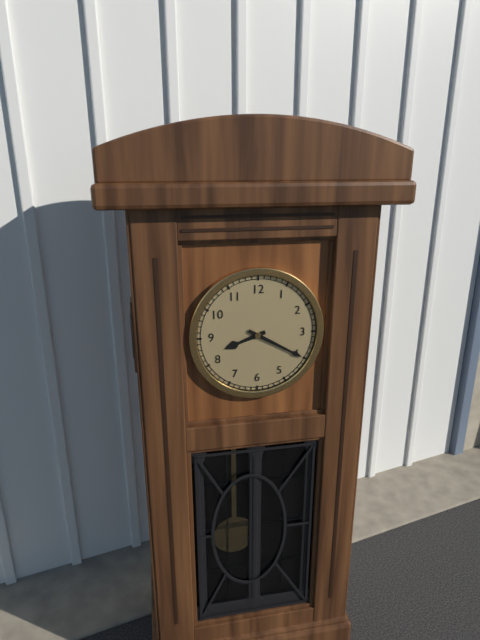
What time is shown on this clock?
8:20
